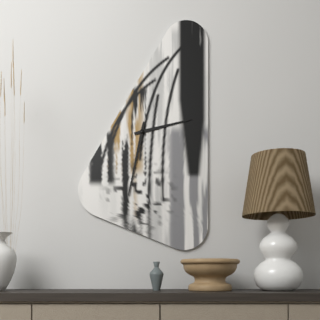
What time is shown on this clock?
2:32
